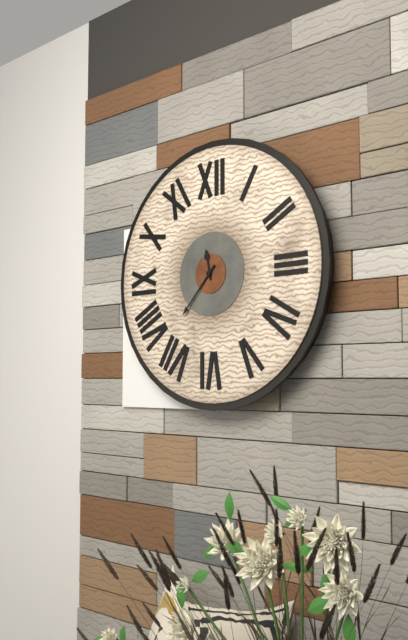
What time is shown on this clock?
11:37
